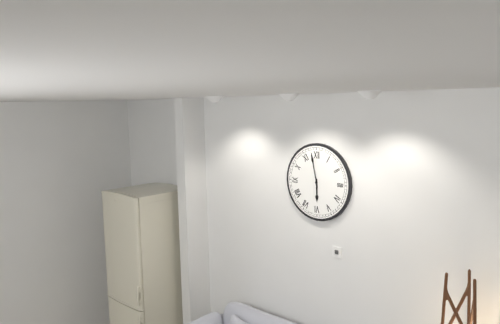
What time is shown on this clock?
5:58
